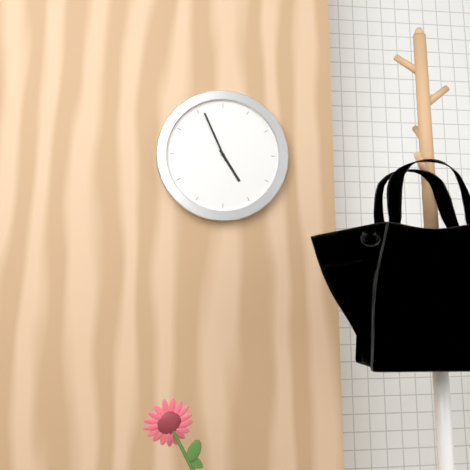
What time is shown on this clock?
4:56
